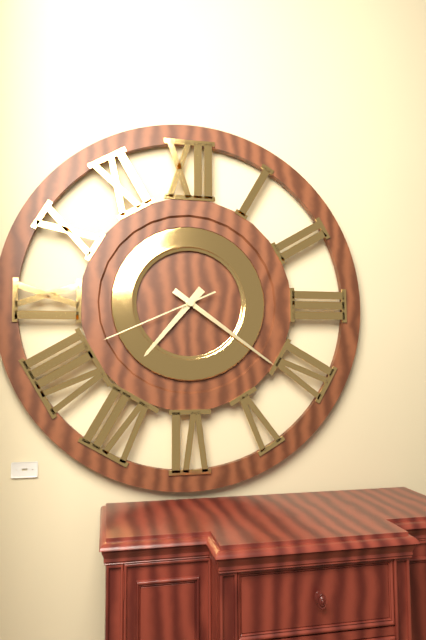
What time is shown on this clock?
7:21:41
